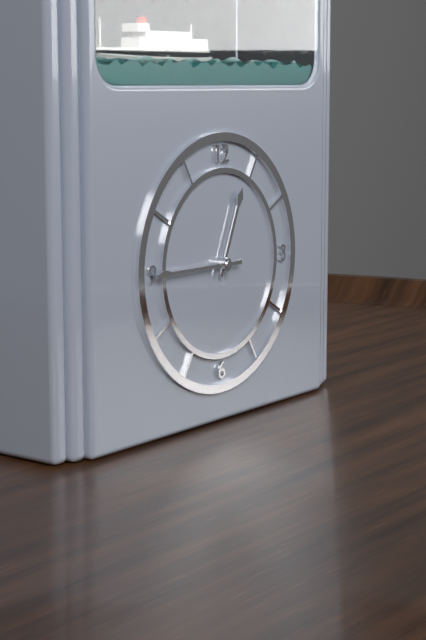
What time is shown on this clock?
12:45
